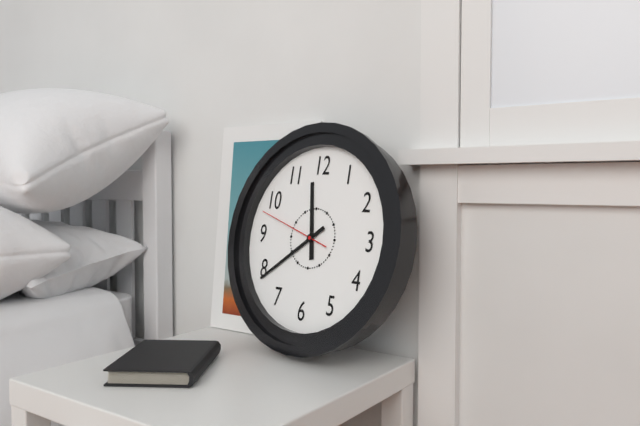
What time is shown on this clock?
11:39:48
